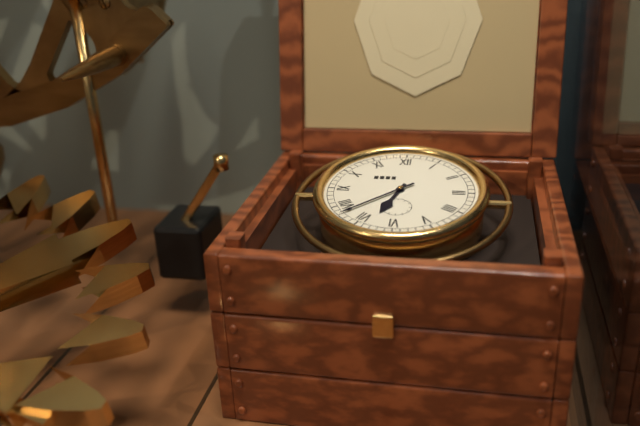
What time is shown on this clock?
6:38
